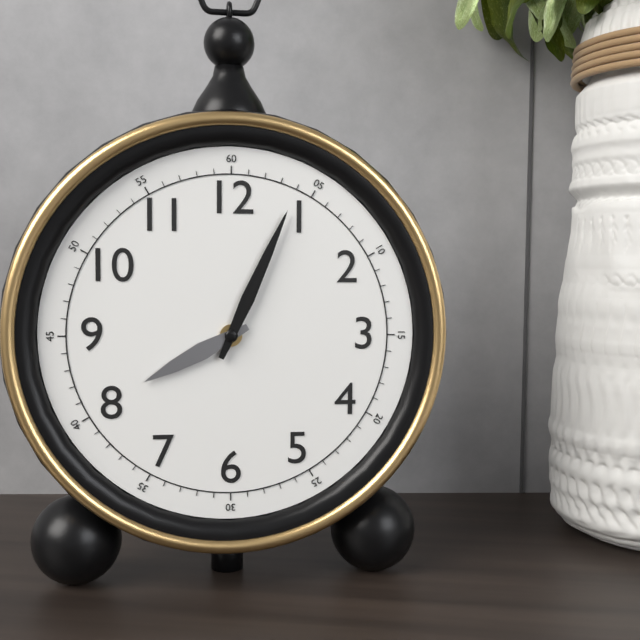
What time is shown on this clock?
8:04
